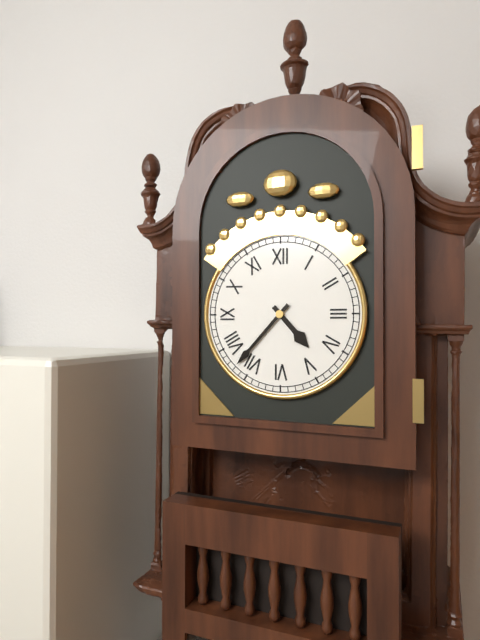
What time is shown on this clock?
4:37
